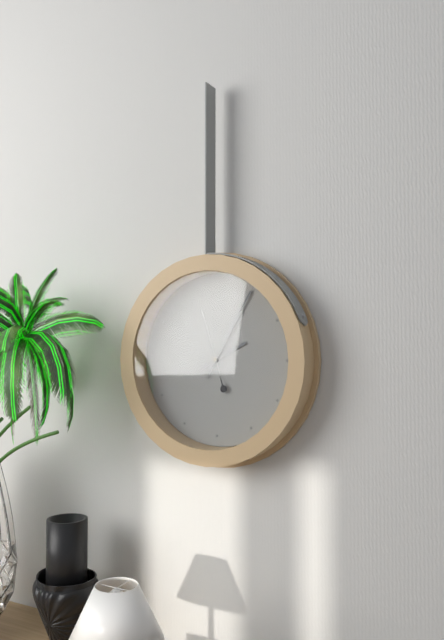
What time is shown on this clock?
2:05:57
